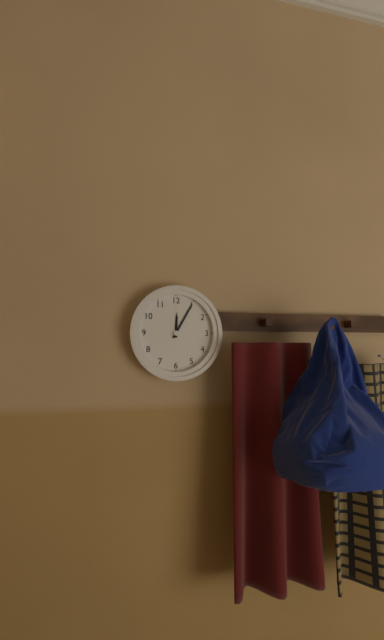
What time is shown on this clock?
12:05
